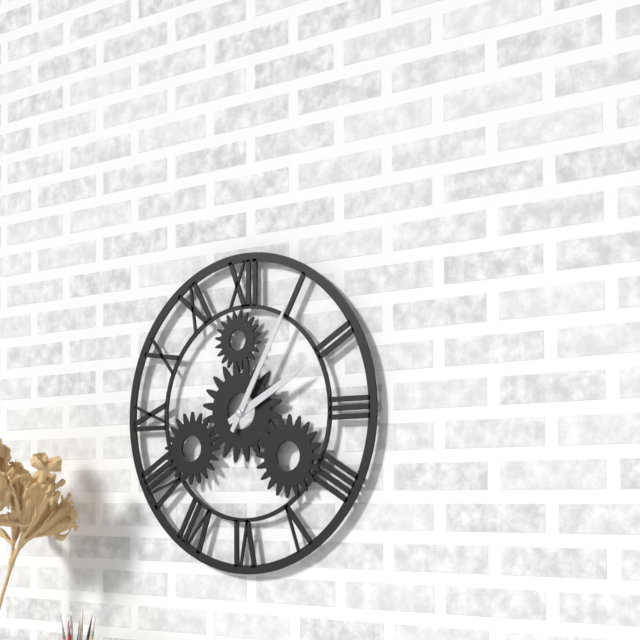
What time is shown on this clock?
2:05
